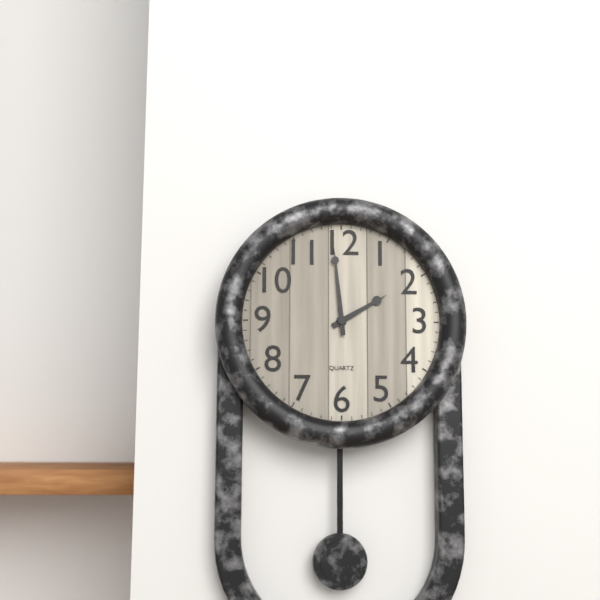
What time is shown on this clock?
1:59
